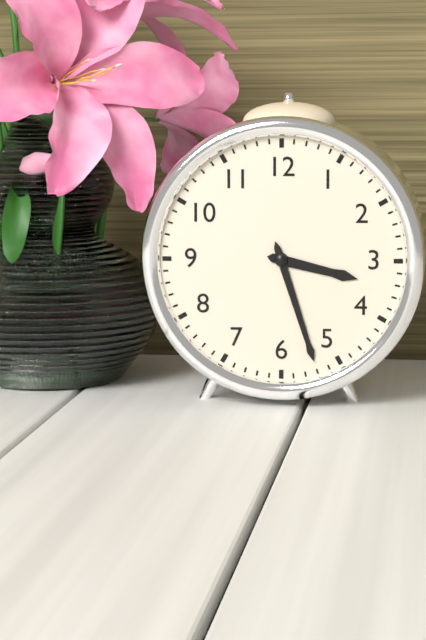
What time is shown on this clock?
3:27
